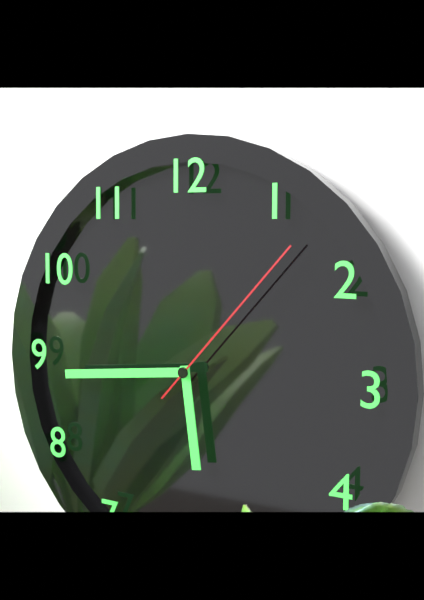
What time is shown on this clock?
5:44:07
